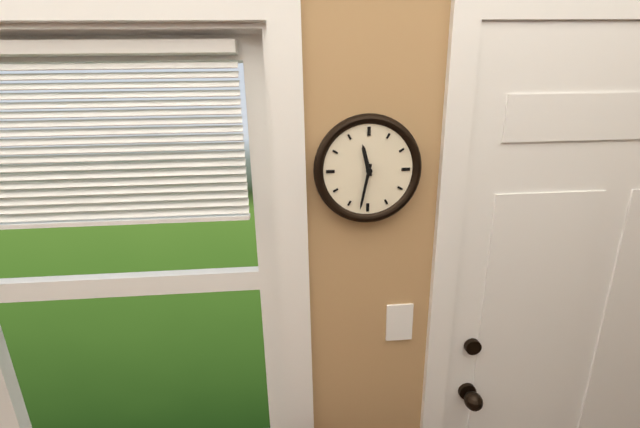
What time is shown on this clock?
11:32
